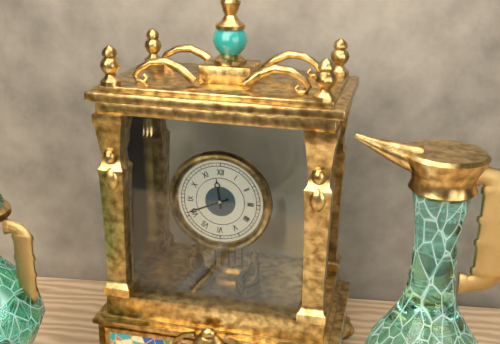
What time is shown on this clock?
11:41
